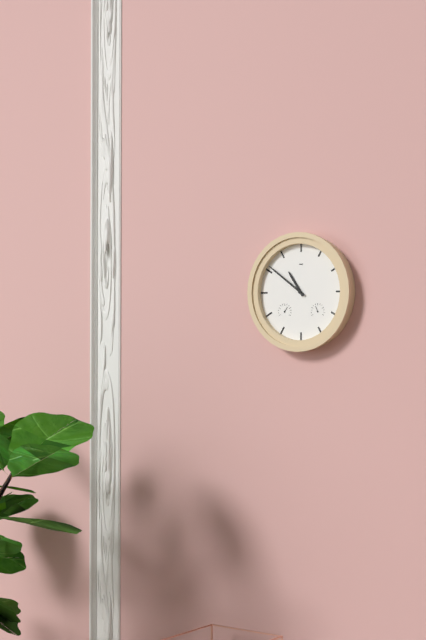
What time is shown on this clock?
10:51
